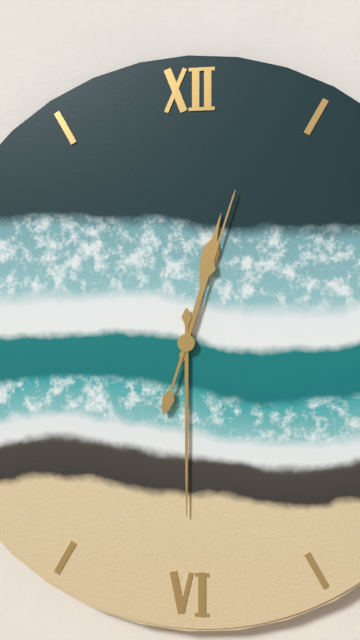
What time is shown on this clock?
12:30:03
